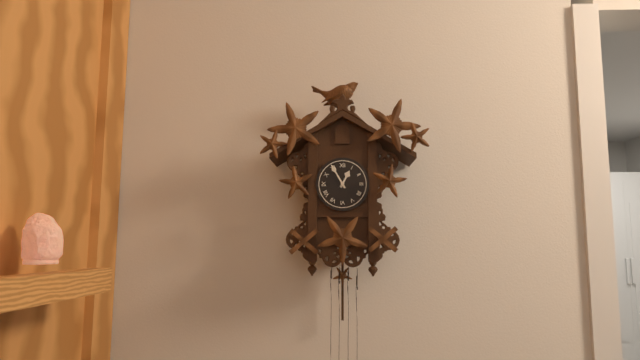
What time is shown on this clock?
12:55
